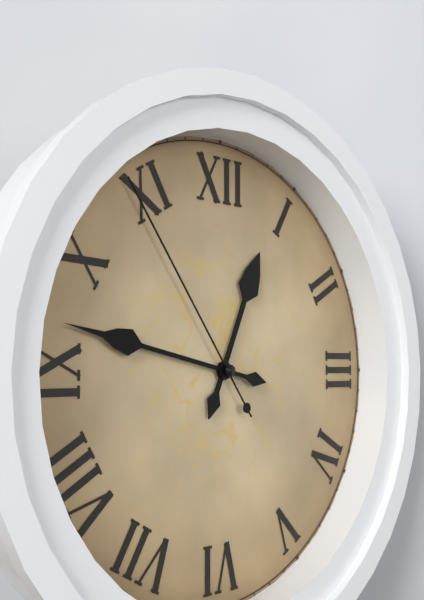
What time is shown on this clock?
12:47:54
